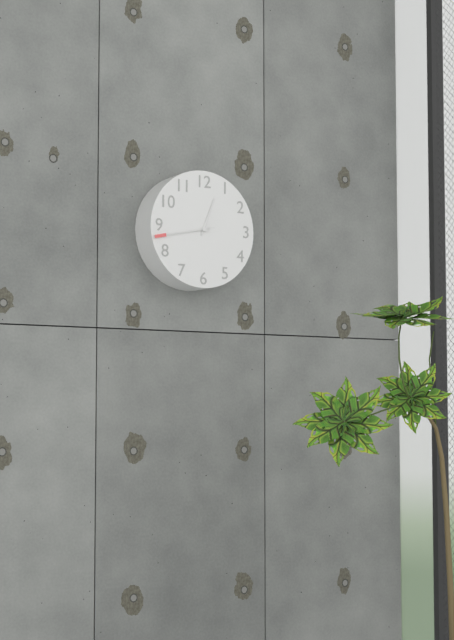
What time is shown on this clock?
12:43:43
